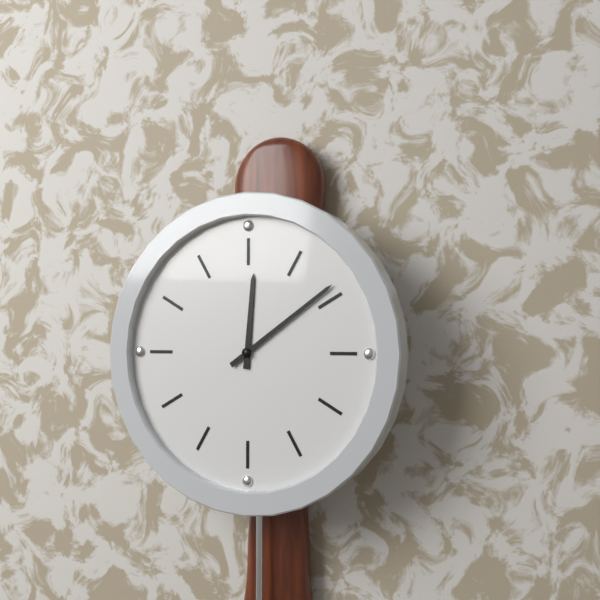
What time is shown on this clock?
12:09
